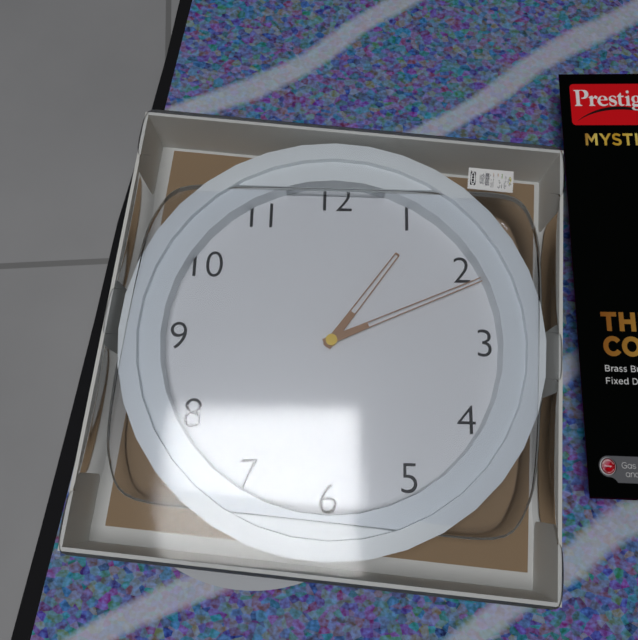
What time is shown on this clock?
1:11
